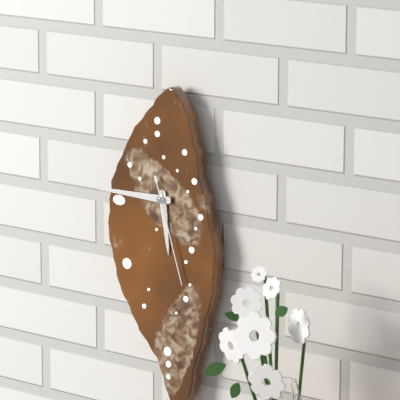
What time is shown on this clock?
5:45:27
